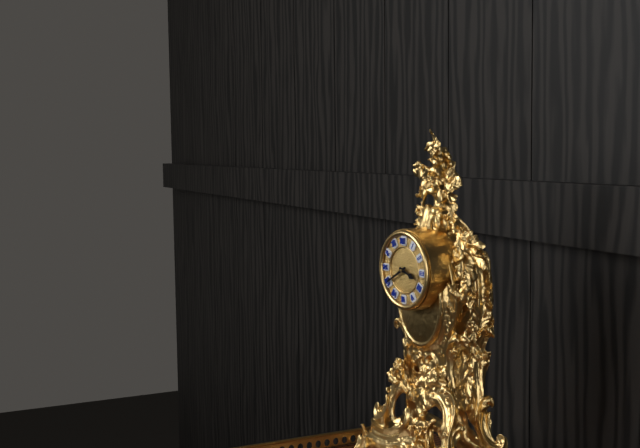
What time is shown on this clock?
3:40
